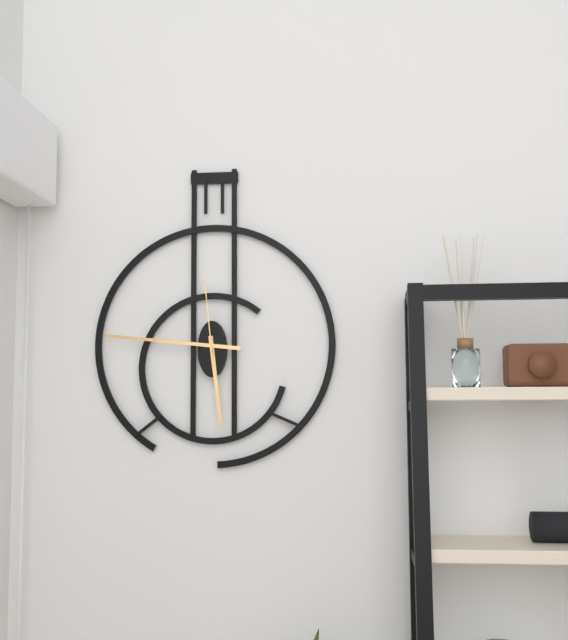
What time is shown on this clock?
5:46:59
